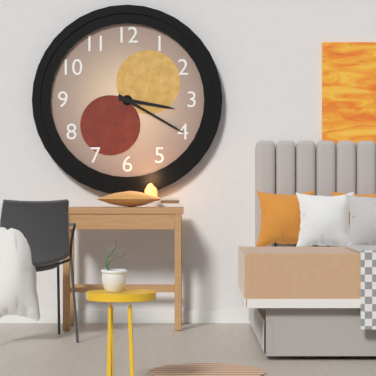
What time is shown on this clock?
3:20
